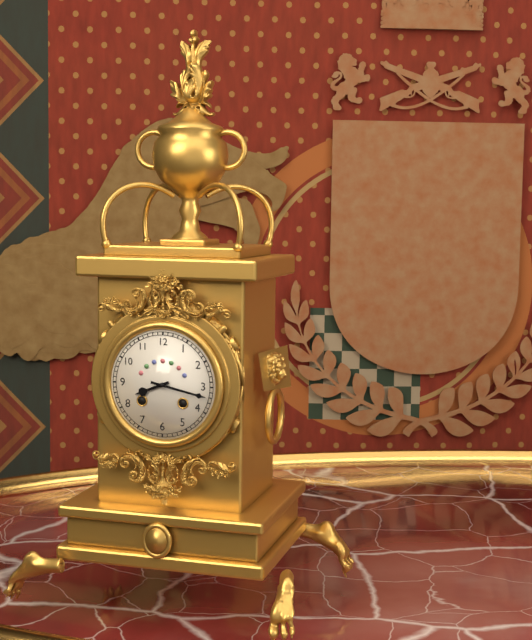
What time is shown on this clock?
8:17
